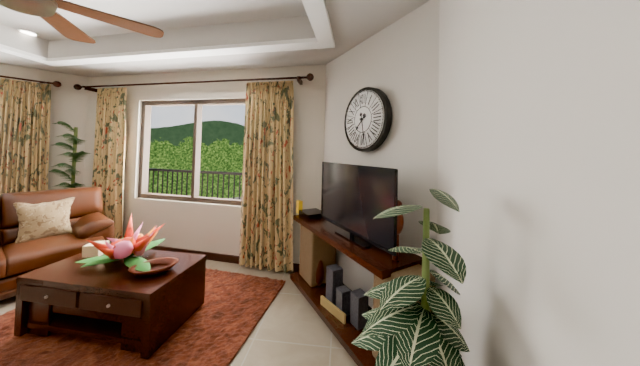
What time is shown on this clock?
7:28
